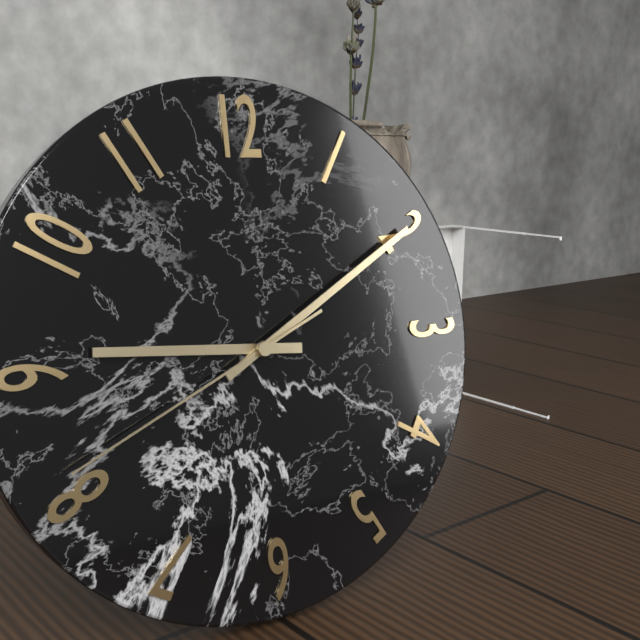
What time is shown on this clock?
9:10:41
